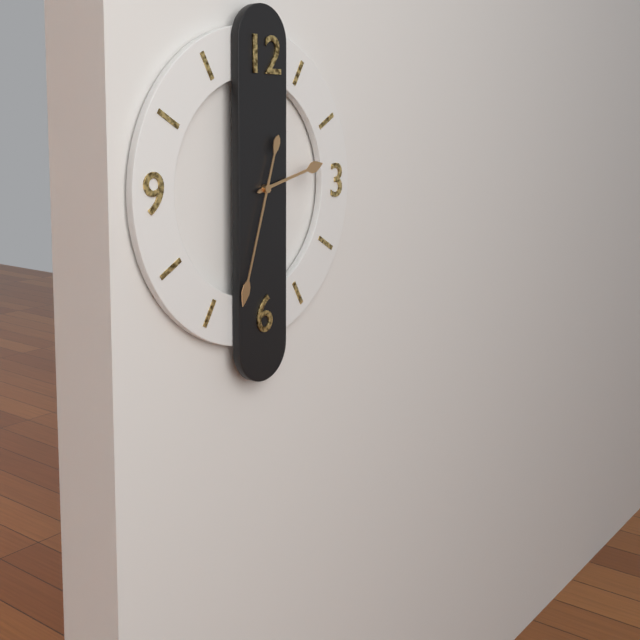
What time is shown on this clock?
2:33
